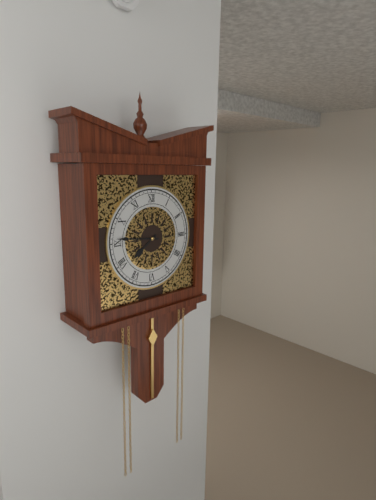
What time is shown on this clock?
7:46
